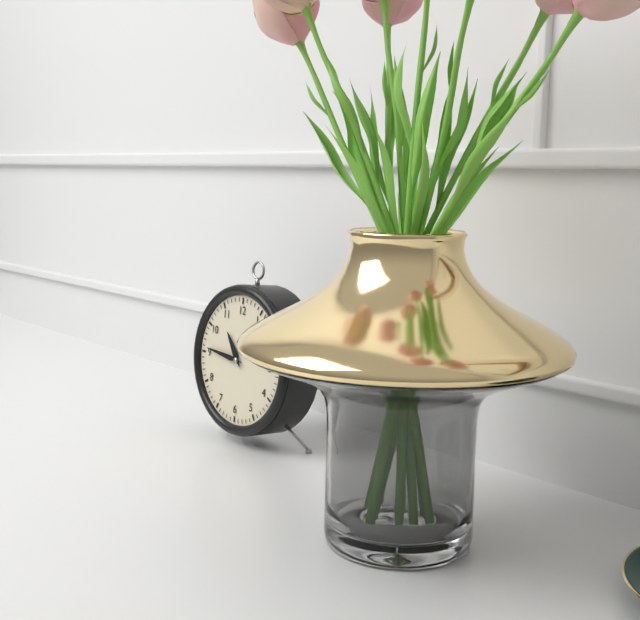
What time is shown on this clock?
10:46
